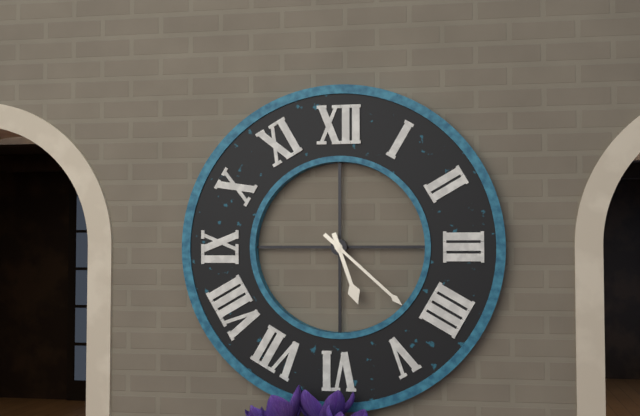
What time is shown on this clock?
5:22
